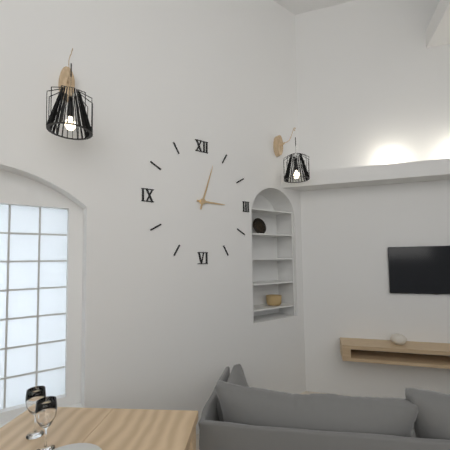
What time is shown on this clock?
3:03
